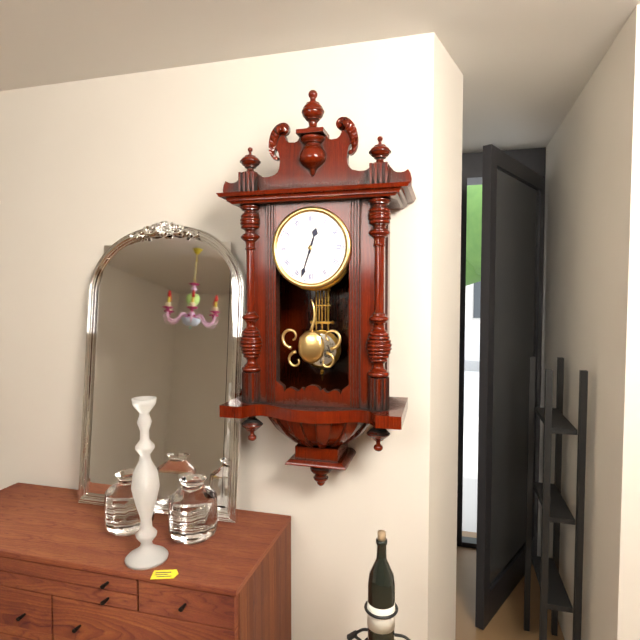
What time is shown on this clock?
12:33
